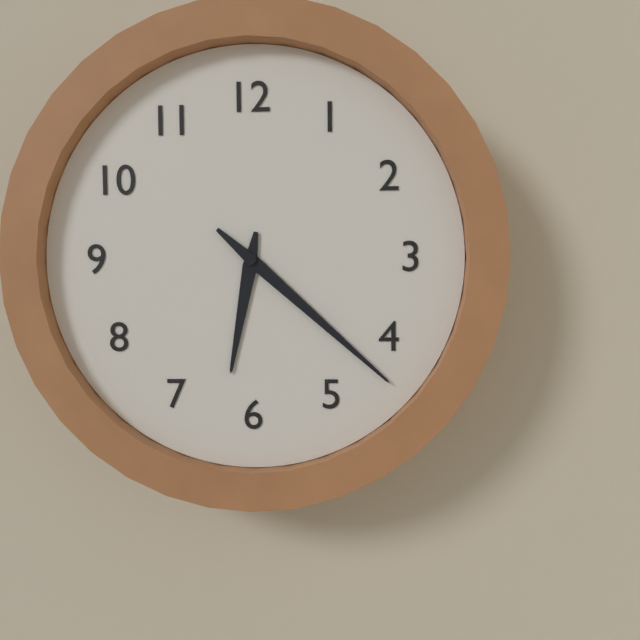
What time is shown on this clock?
6:22
